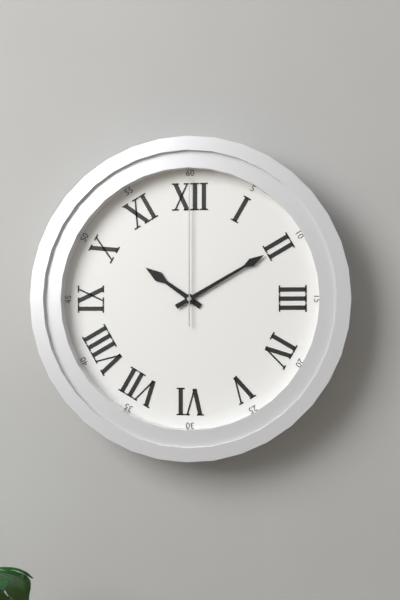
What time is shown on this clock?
10:10:00
